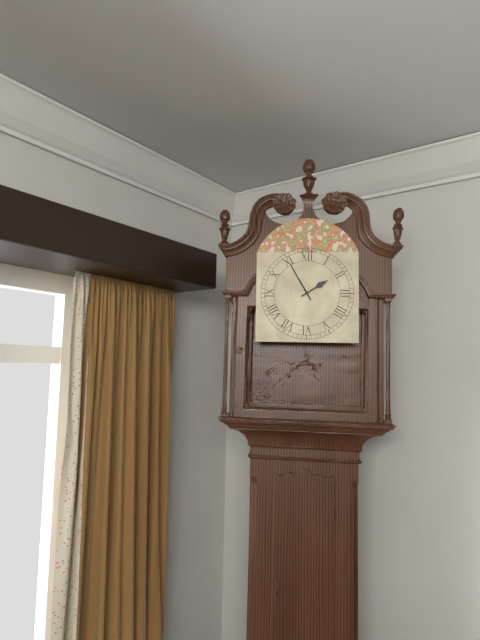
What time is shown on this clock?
1:55
